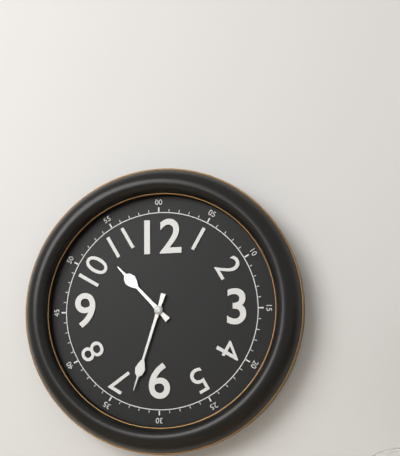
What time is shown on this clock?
10:33
